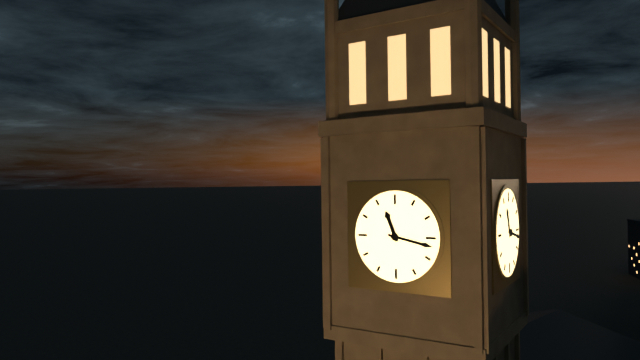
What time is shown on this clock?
11:17
